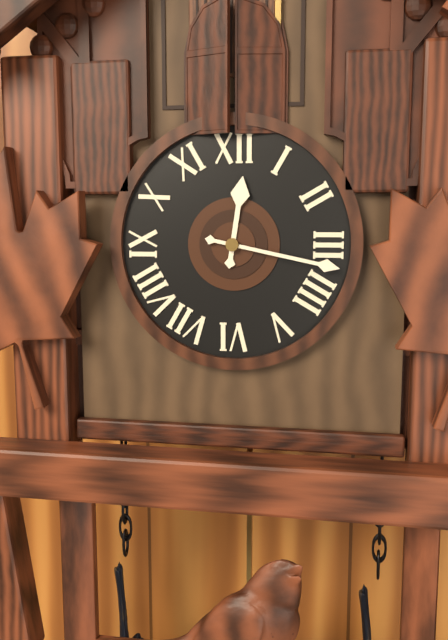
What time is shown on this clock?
12:17
